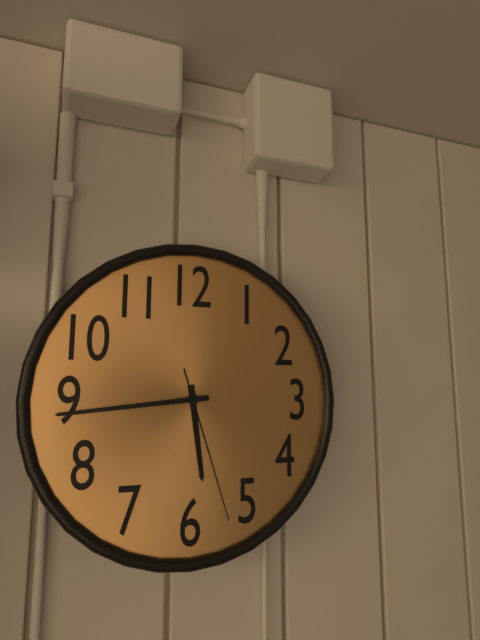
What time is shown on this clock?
5:44:27
